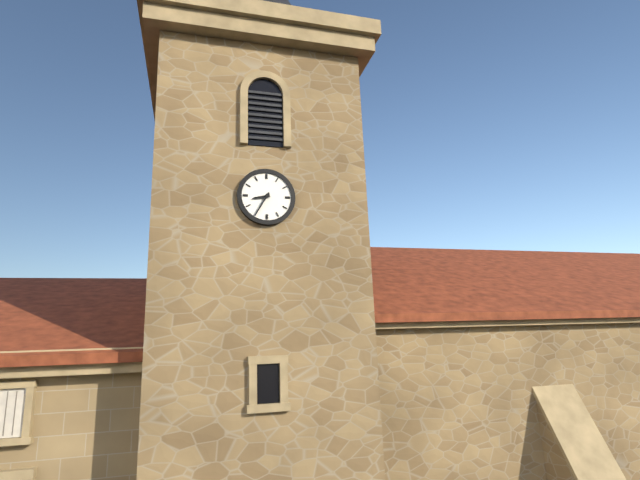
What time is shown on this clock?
8:35
